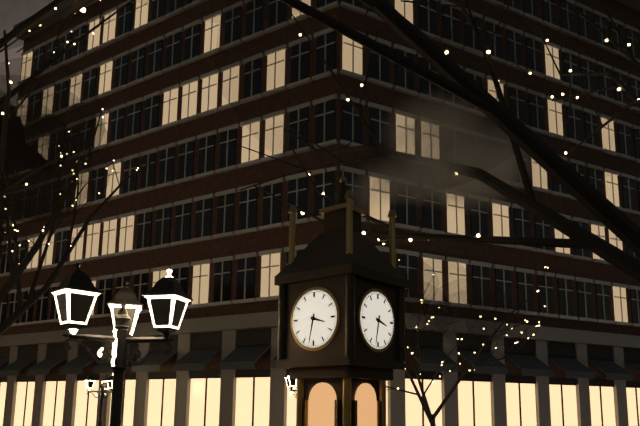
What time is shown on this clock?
3:32
